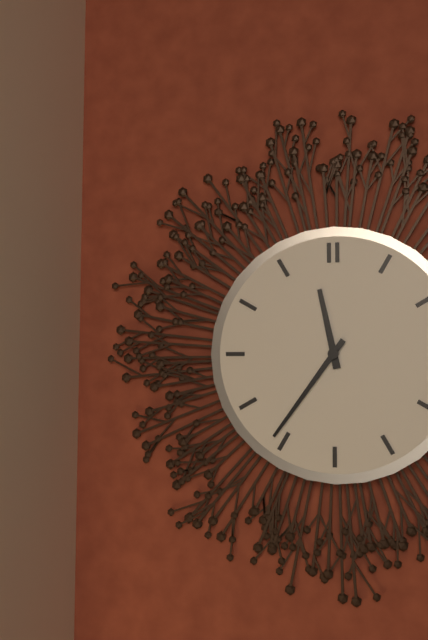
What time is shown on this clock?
11:36
